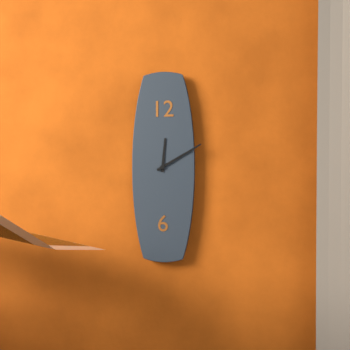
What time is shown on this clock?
12:10
